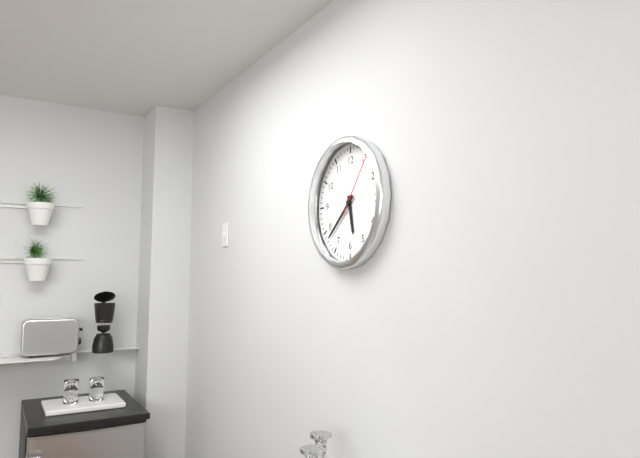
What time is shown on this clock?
5:38:06
